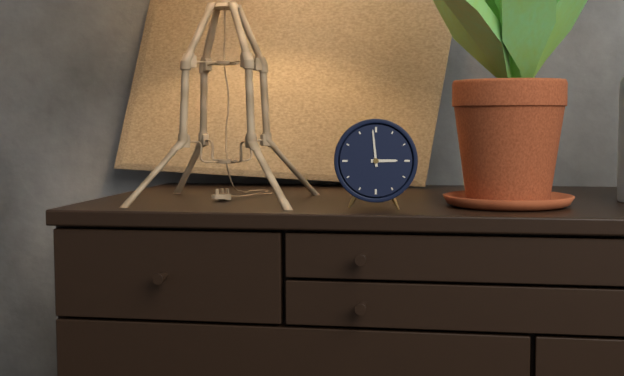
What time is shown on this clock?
2:59
